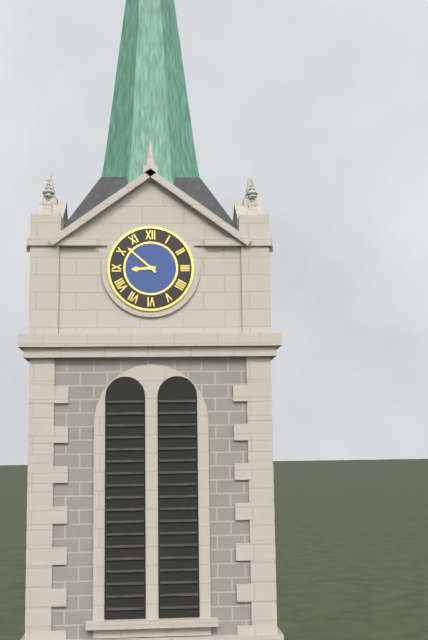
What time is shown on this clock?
8:52
